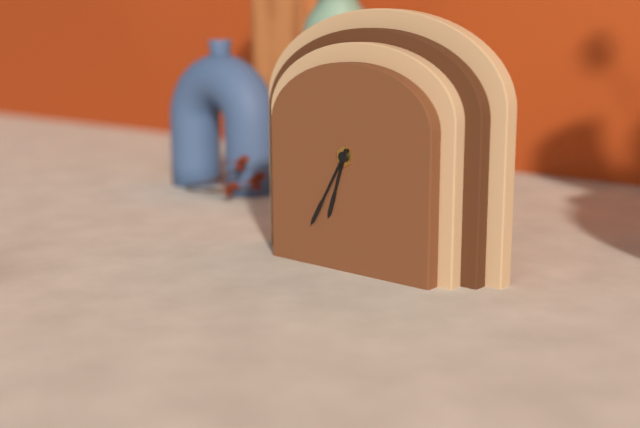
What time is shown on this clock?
6:35
